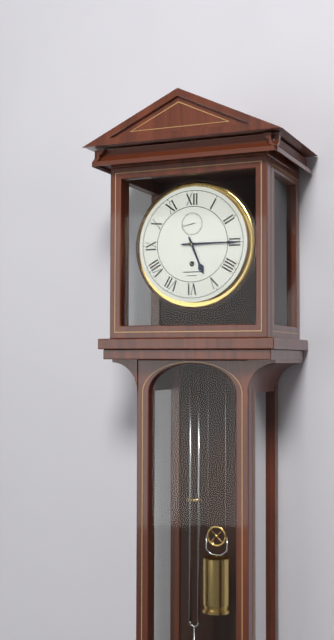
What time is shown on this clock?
5:15
